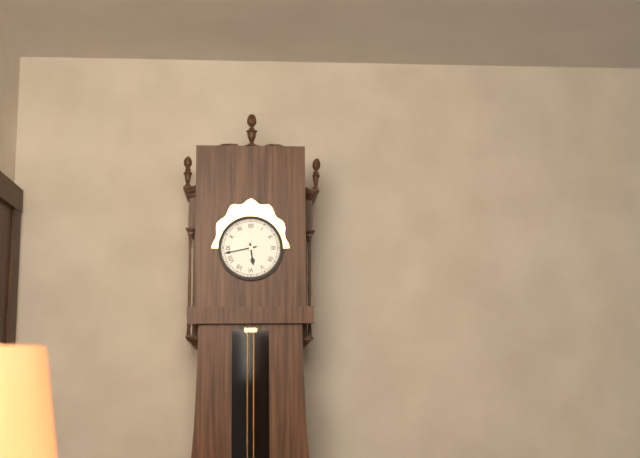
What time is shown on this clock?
5:43
